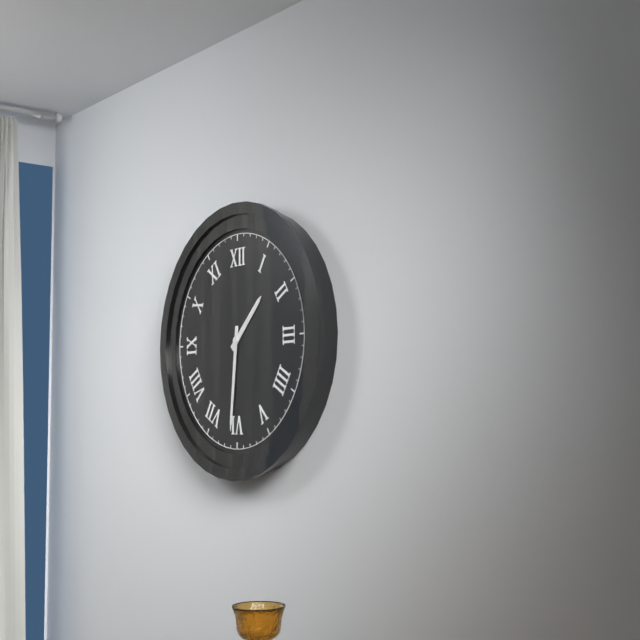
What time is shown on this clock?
1:31
